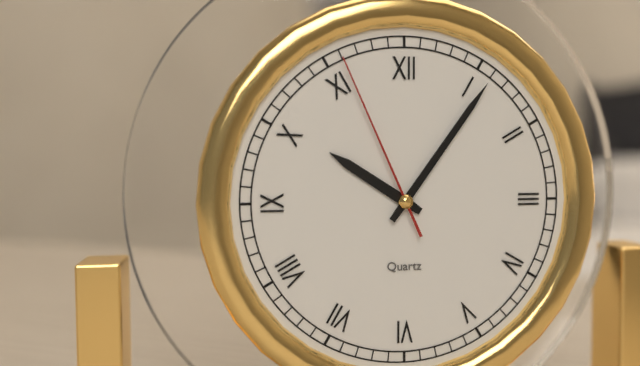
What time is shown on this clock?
10:06:56
